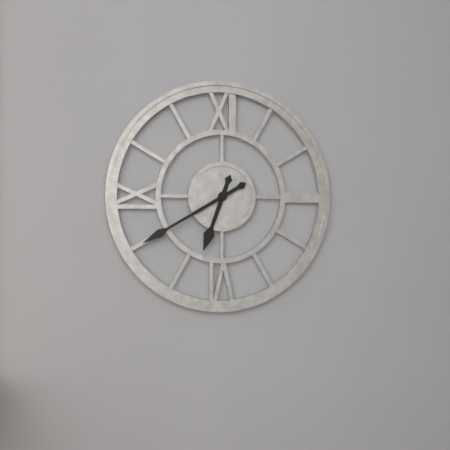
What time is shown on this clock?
6:40
